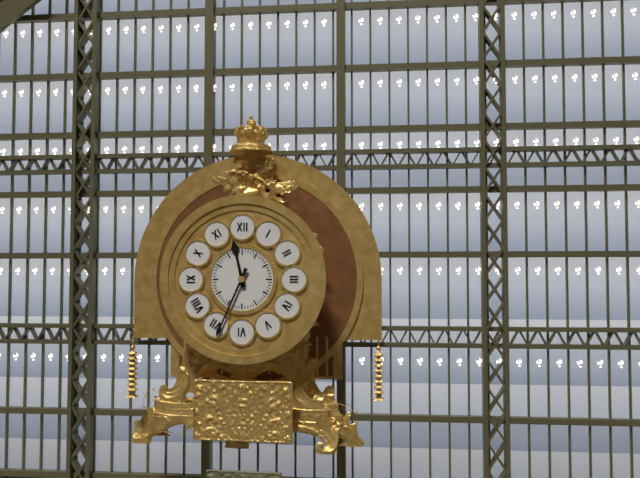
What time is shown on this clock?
11:34
